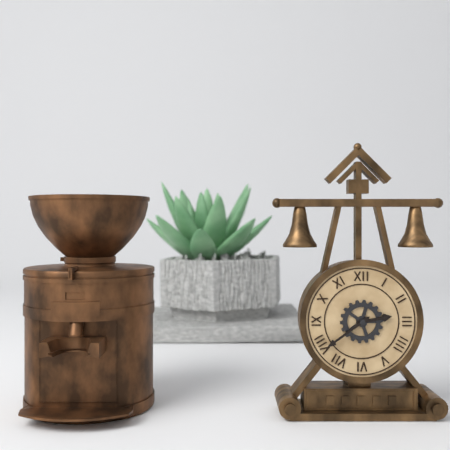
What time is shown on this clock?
2:39
